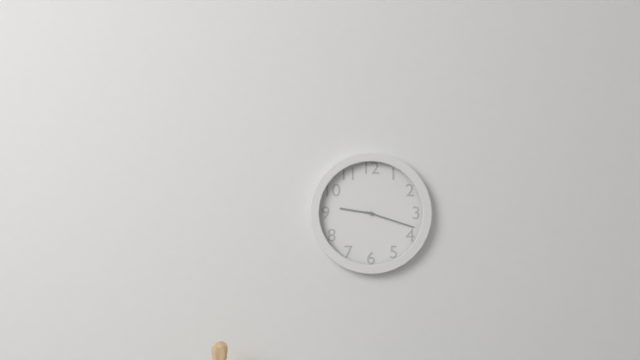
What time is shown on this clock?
9:18
